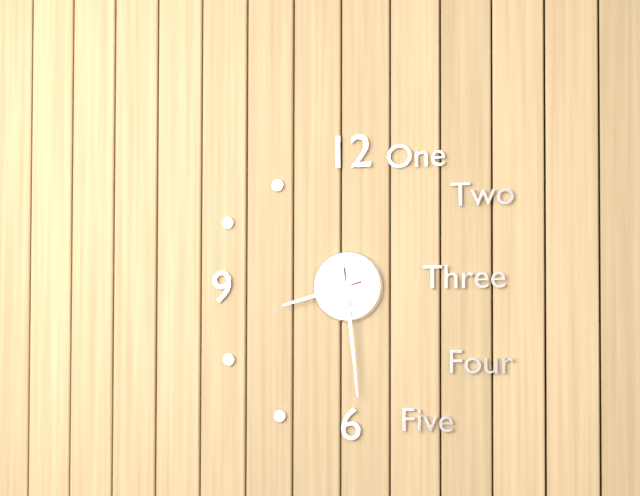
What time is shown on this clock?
8:29
